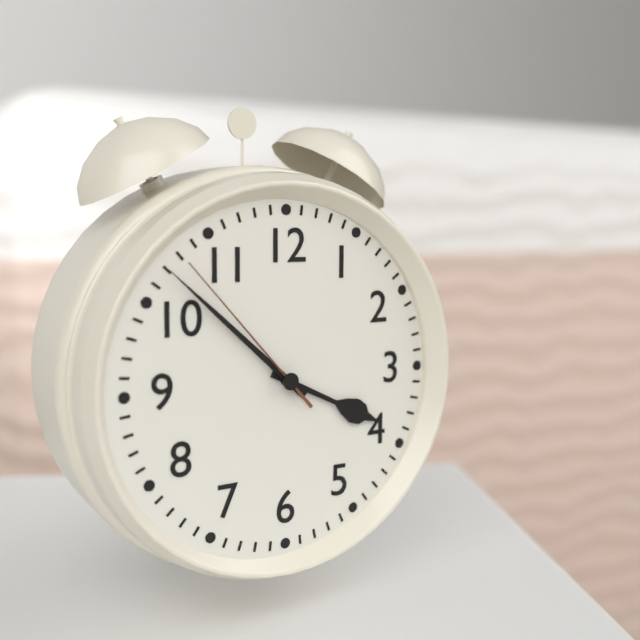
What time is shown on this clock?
3:52:53
